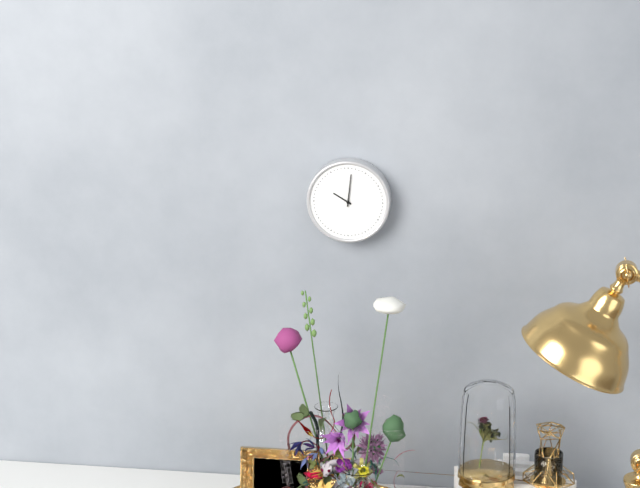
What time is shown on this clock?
10:01
